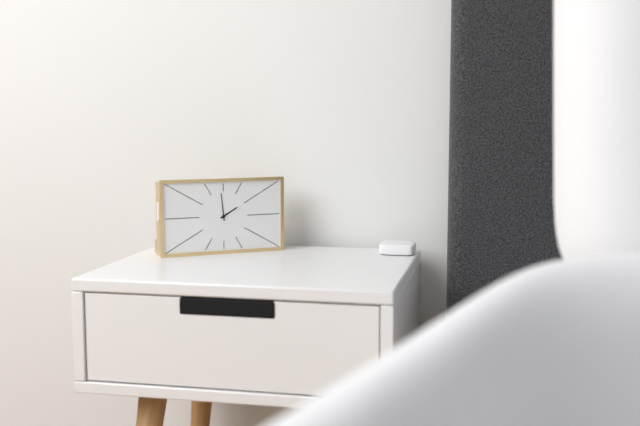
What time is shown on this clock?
1:59
